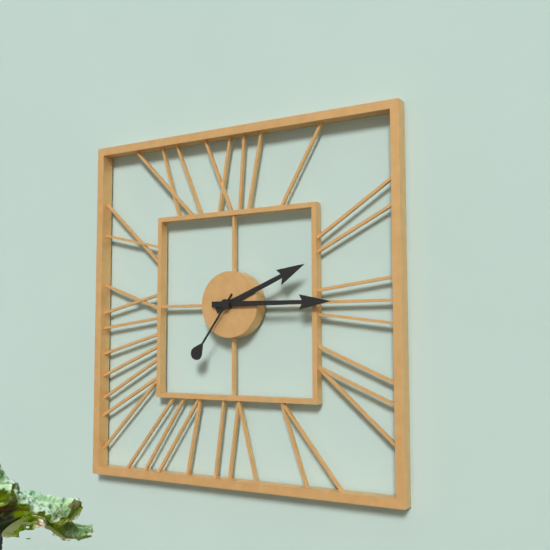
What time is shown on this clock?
2:15:36
